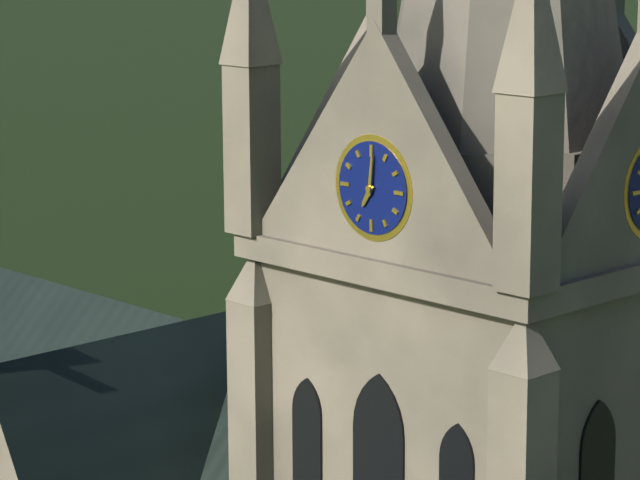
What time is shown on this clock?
7:01
